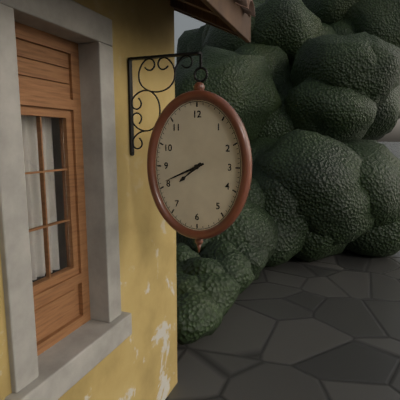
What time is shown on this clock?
7:41
